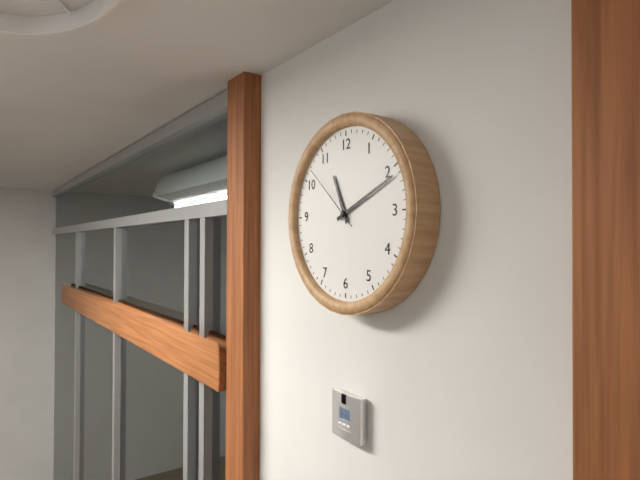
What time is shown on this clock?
11:11:52
